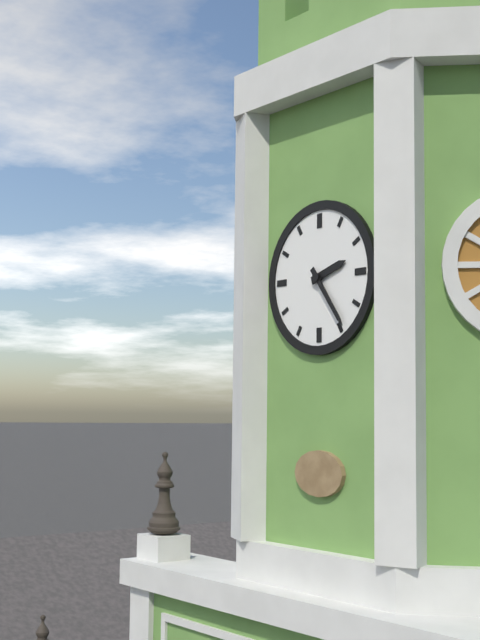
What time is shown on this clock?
2:24
